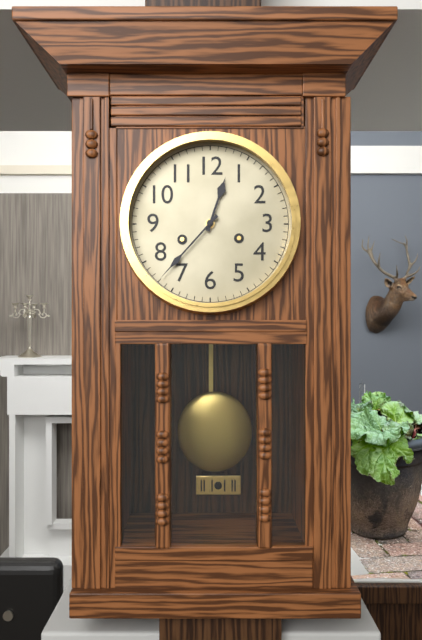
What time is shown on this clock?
12:37
